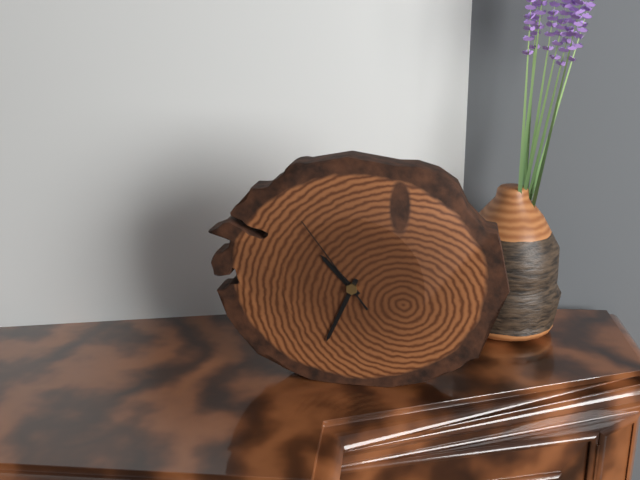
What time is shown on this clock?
10:34:54
